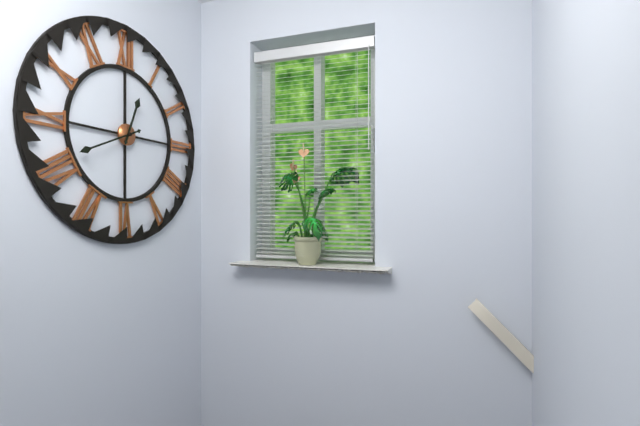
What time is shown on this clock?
12:41
